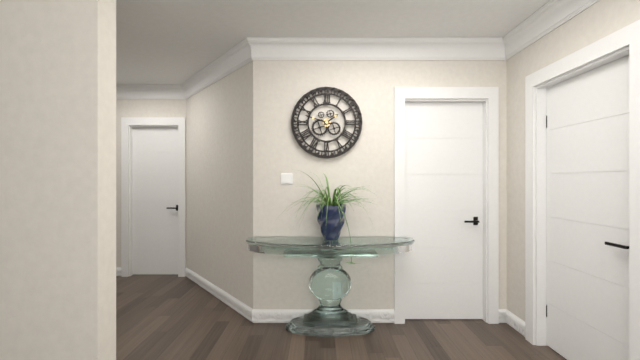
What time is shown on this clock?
1:48
